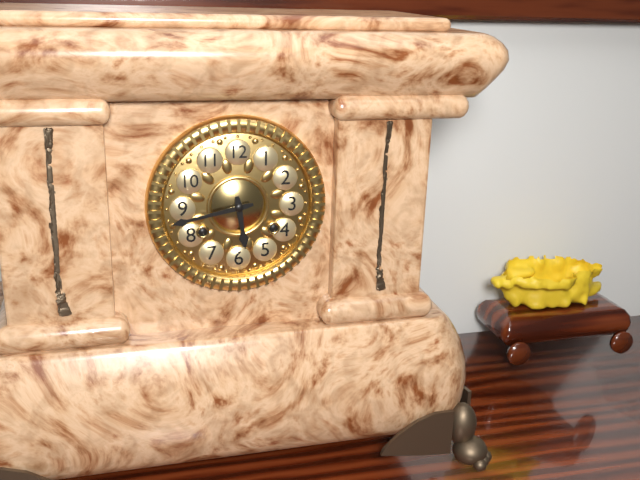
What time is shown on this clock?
5:43
